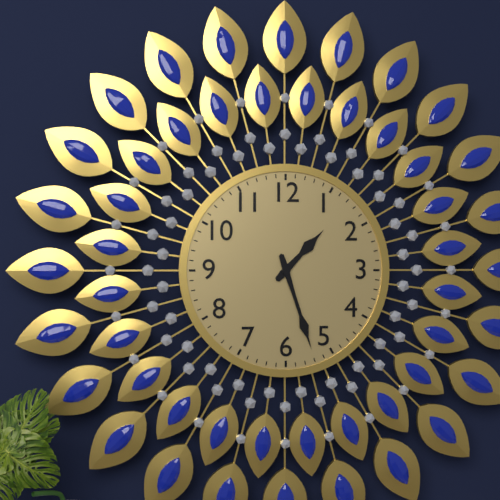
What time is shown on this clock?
1:27
